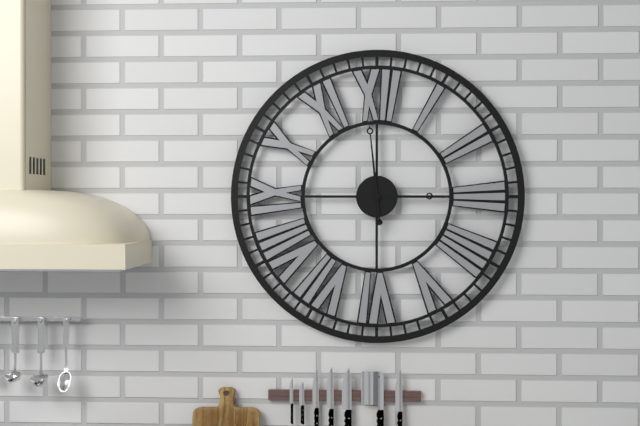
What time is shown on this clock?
2:59
